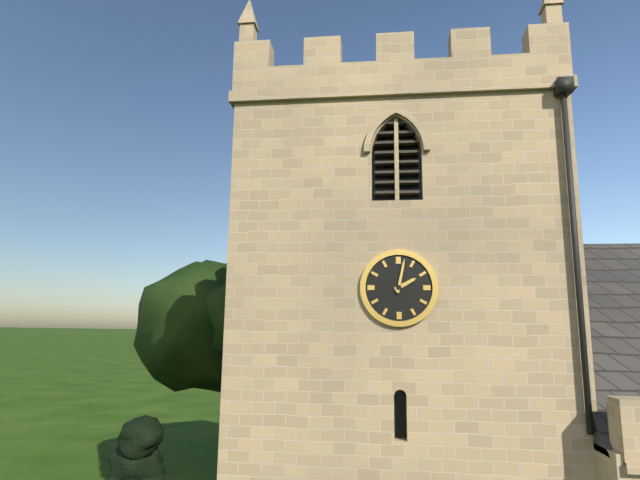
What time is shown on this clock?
2:02
